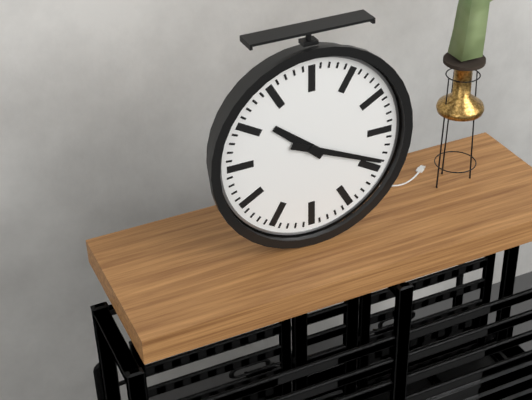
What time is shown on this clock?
10:19
